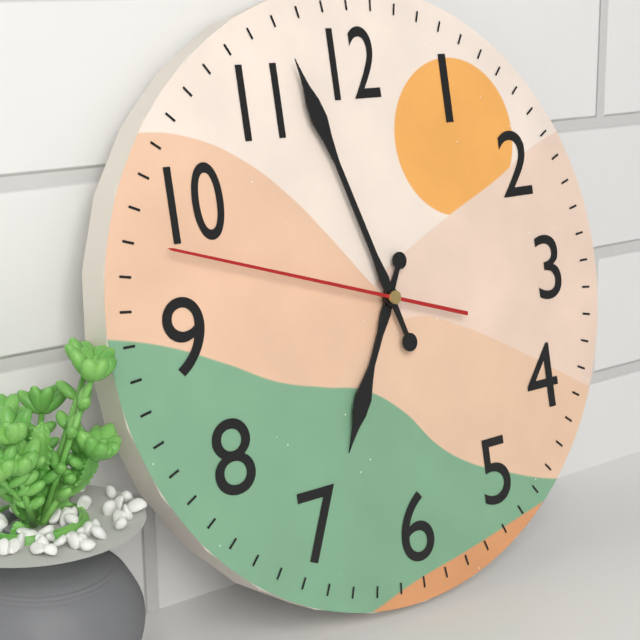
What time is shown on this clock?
6:57:48
